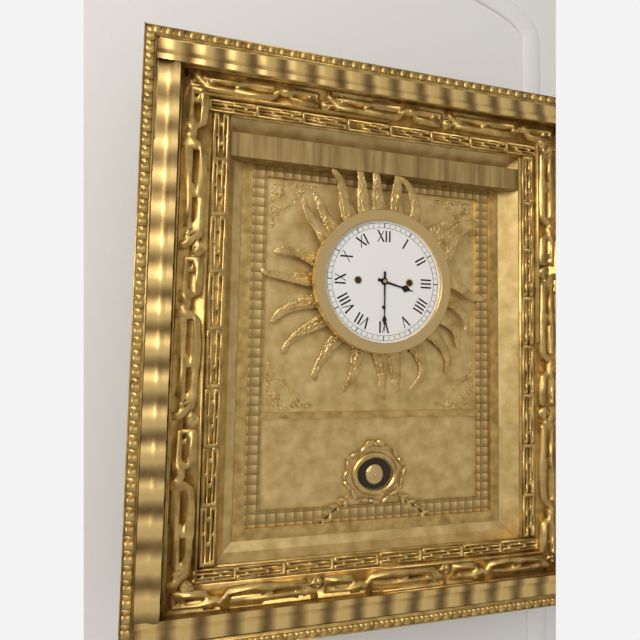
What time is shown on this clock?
3:30
